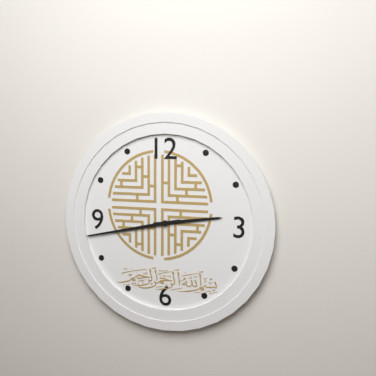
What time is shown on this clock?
2:43
